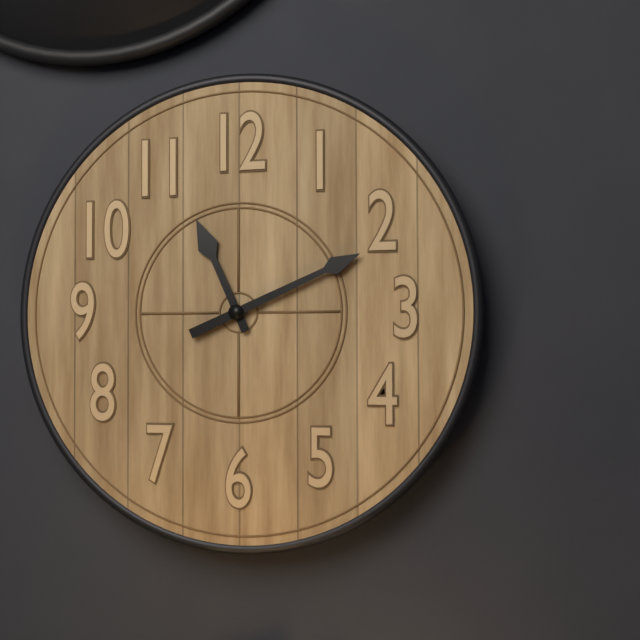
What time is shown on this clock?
11:11
